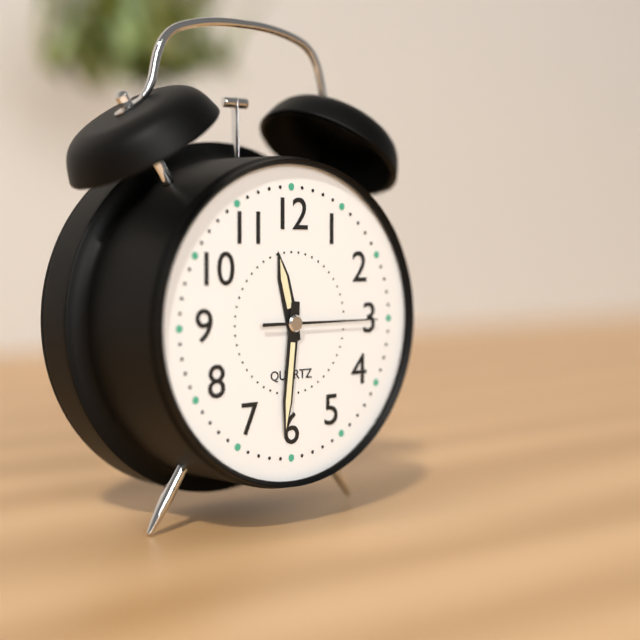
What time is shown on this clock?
11:31:15
